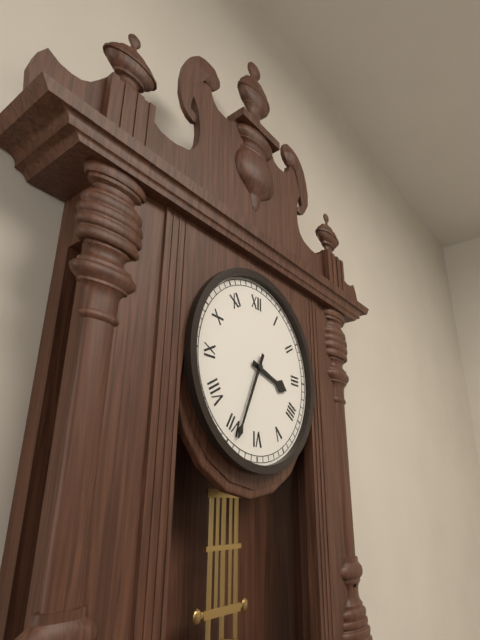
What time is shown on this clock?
3:34
